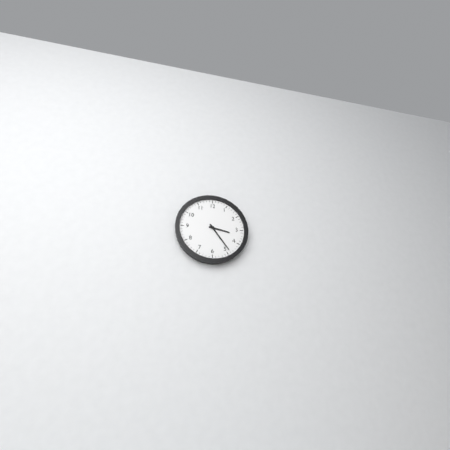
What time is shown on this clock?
3:24
